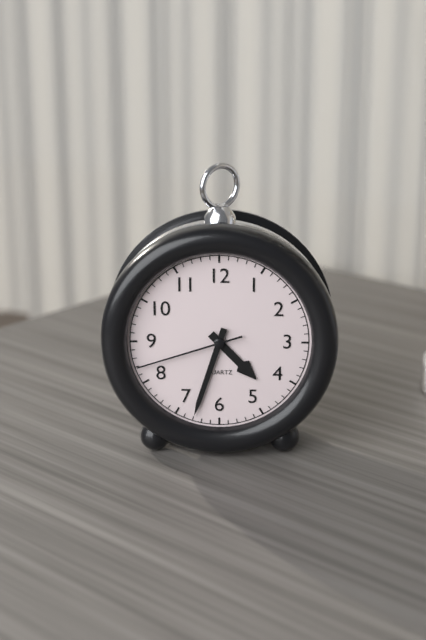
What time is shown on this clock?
4:33:42
